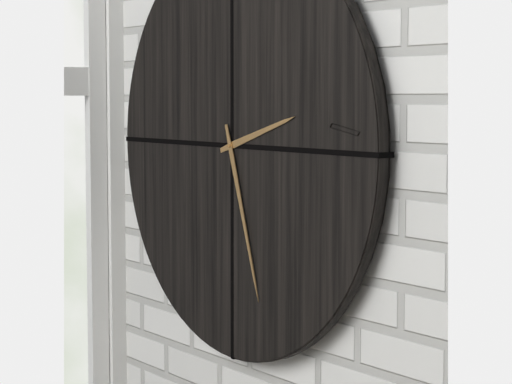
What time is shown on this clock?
2:27
